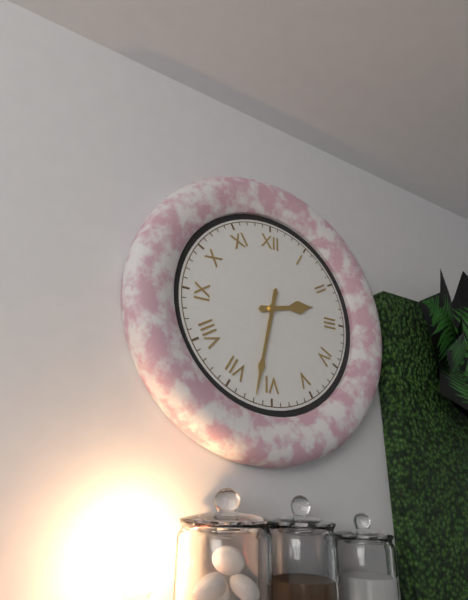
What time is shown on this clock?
2:32
